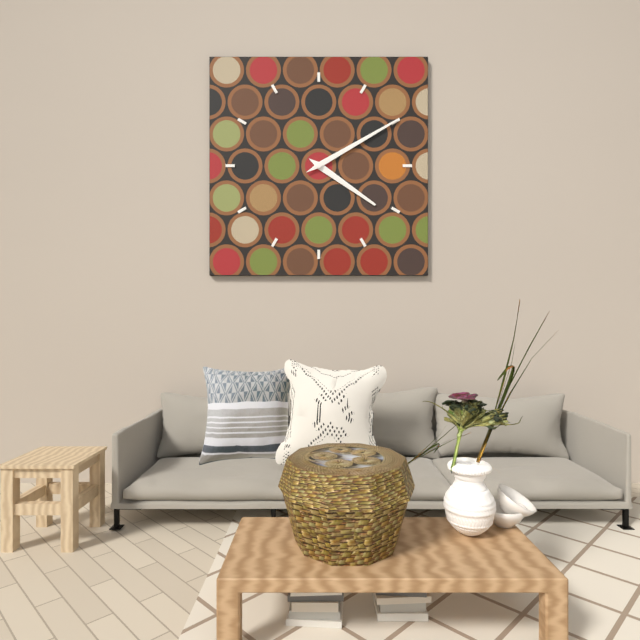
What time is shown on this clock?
4:10
